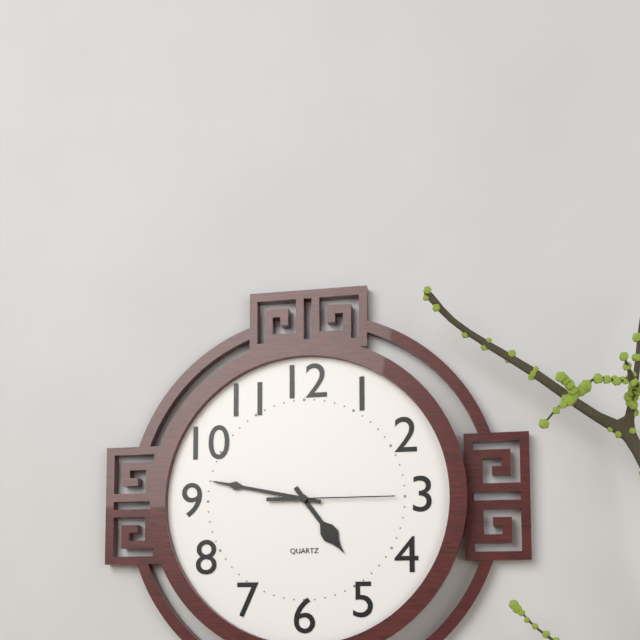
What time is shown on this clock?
4:47:15
